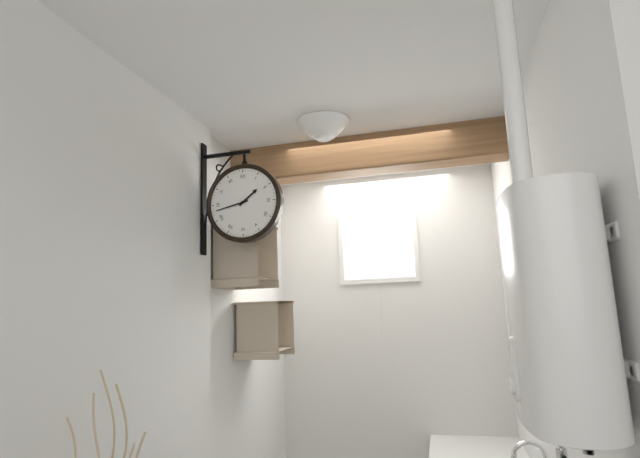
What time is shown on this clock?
1:43
